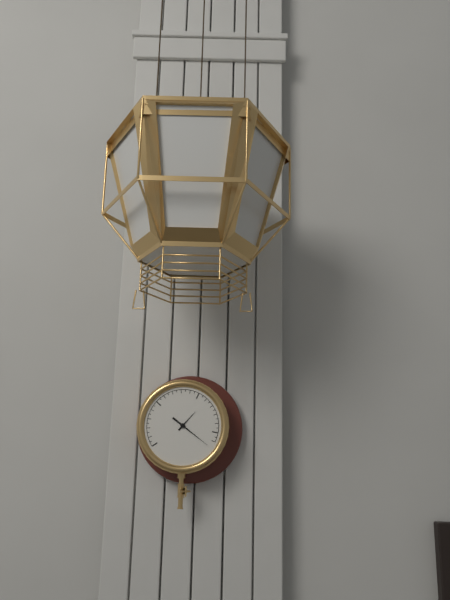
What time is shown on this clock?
1:21
